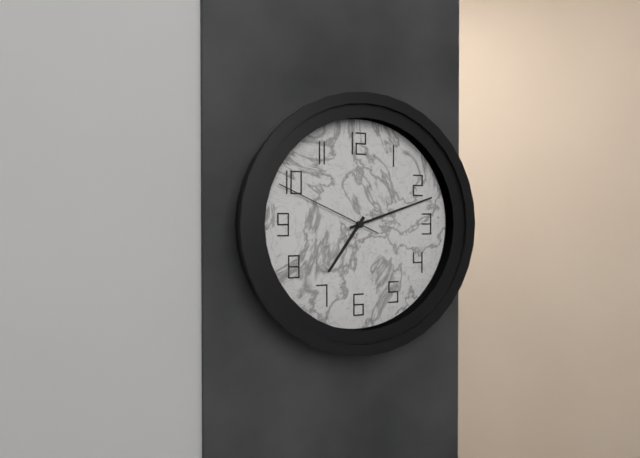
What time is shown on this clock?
7:12:49
